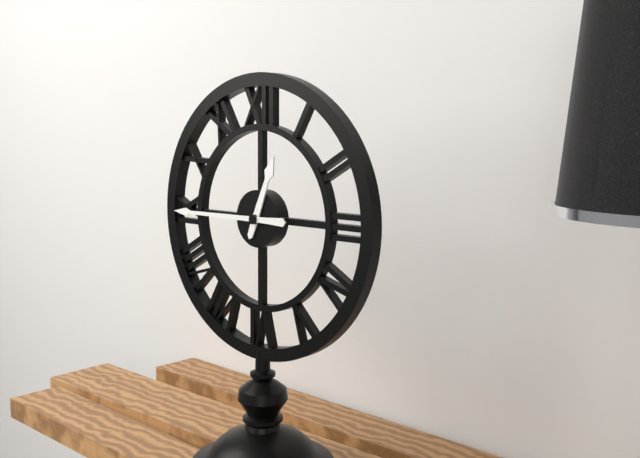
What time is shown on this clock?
12:45
